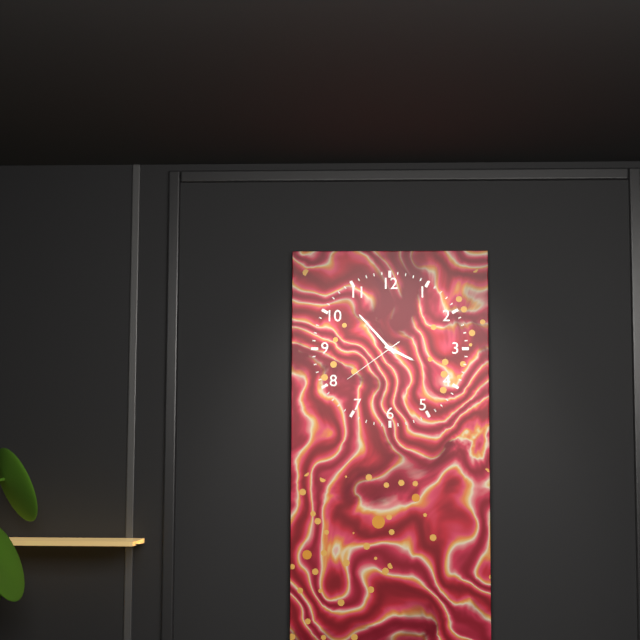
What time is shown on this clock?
3:53:39
